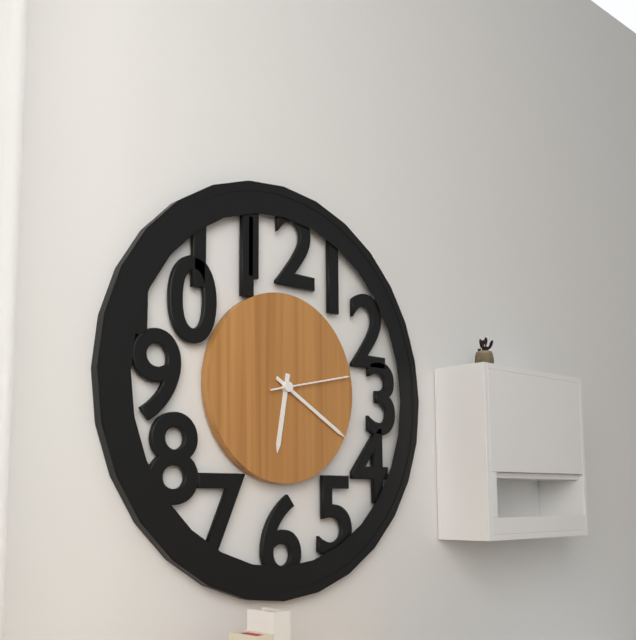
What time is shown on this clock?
6:20:13
